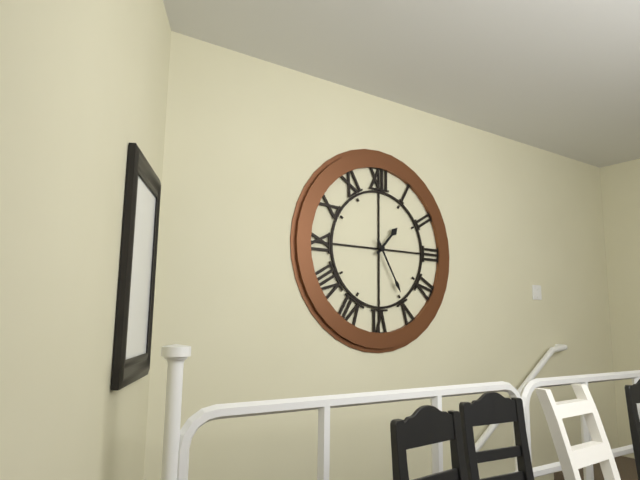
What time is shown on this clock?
1:25
